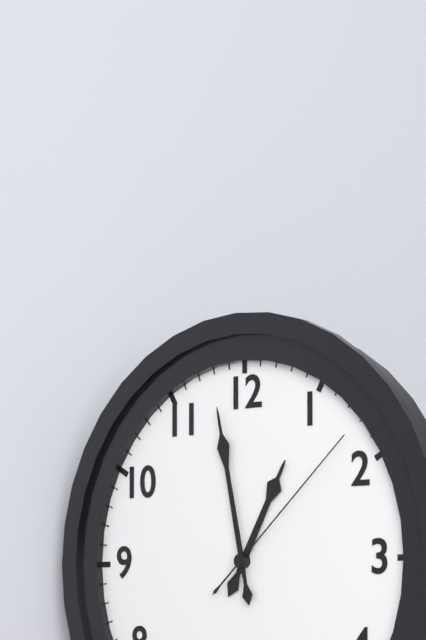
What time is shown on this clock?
12:58:08
